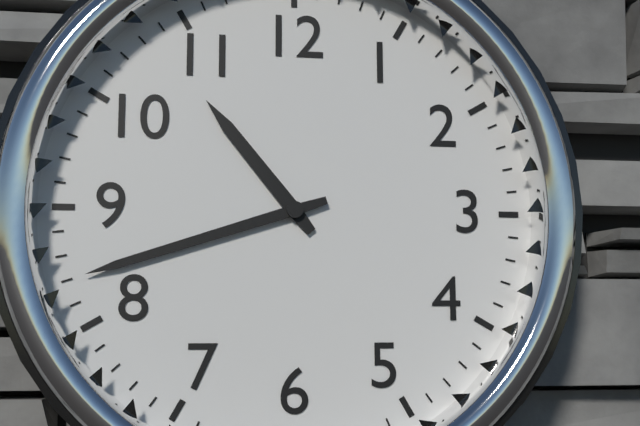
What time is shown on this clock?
10:42
